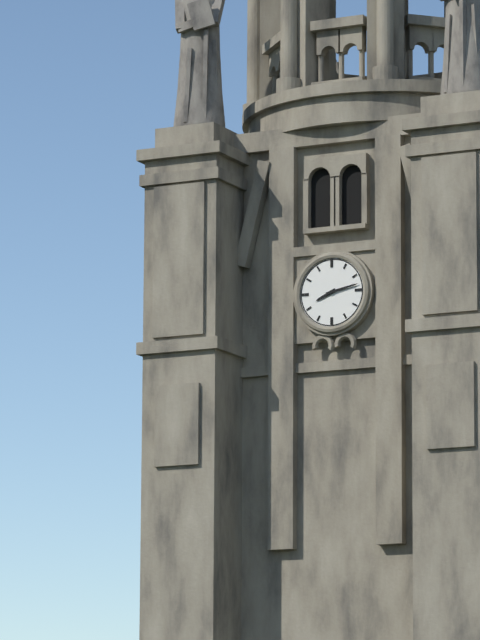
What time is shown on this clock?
8:13
